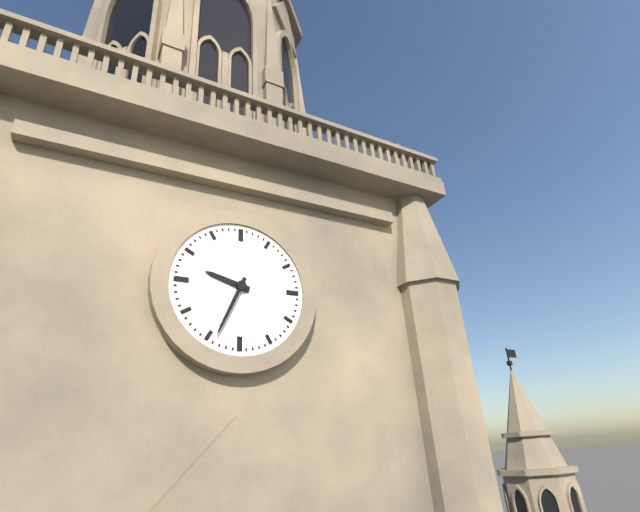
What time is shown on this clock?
9:34
